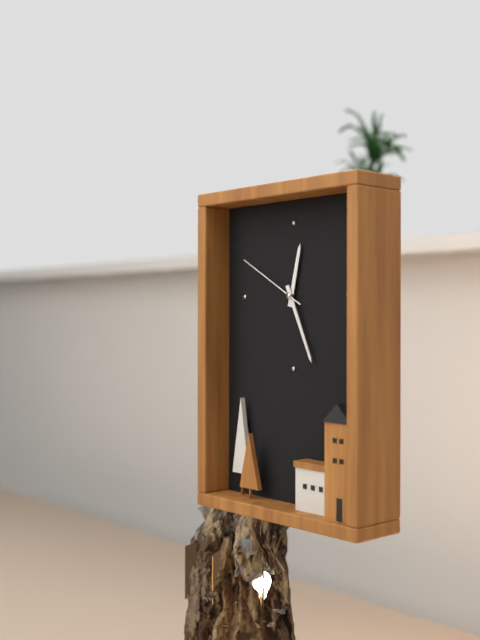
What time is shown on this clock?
12:26:50
